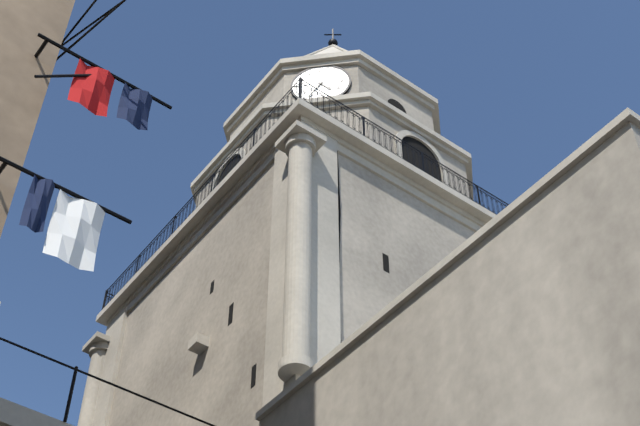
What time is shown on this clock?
4:35
